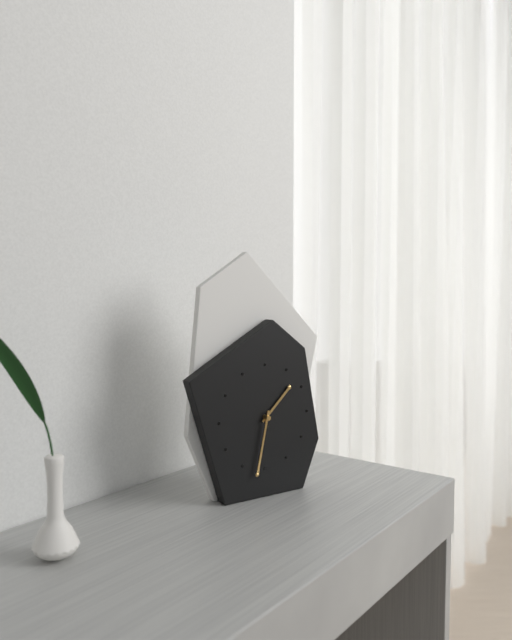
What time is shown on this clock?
1:32
